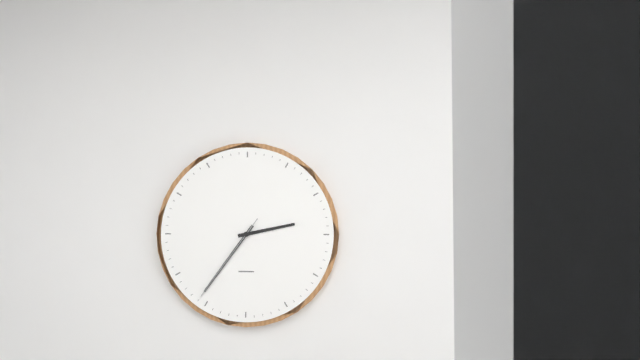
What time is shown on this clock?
2:36:36
